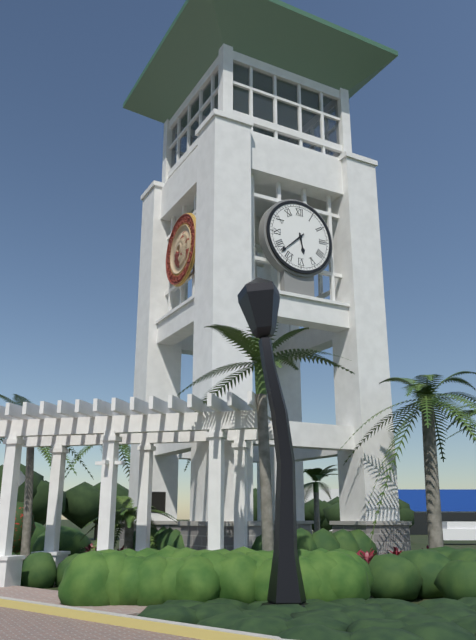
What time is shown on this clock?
5:38
